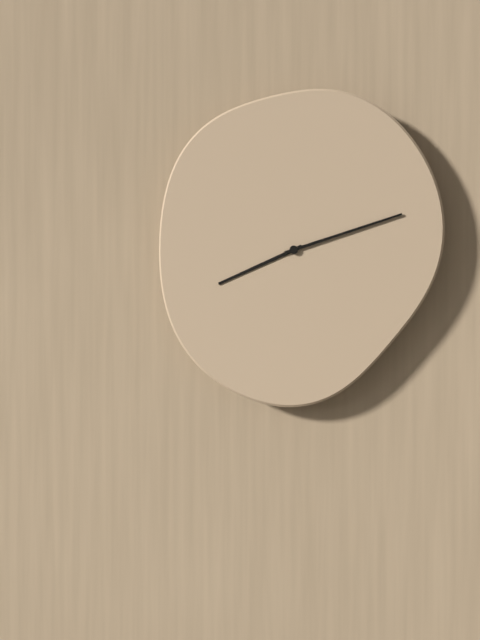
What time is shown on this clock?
8:12
